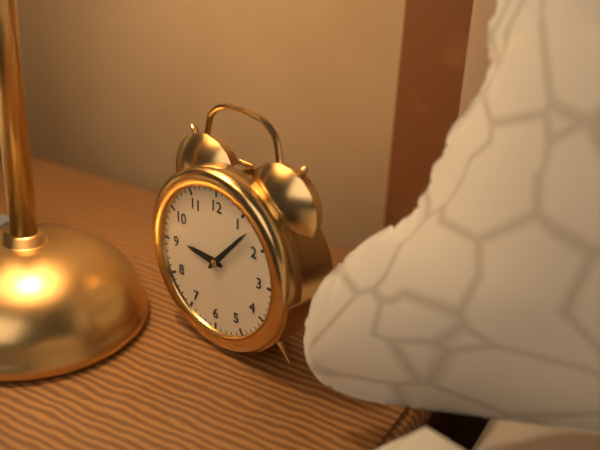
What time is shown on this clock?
9:07
